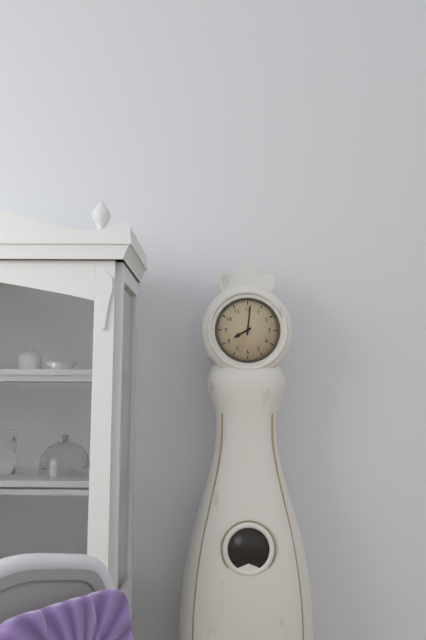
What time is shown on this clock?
8:01
